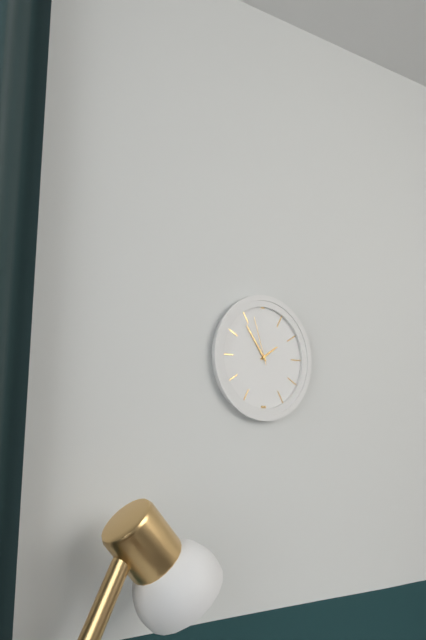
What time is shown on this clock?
1:54:57
